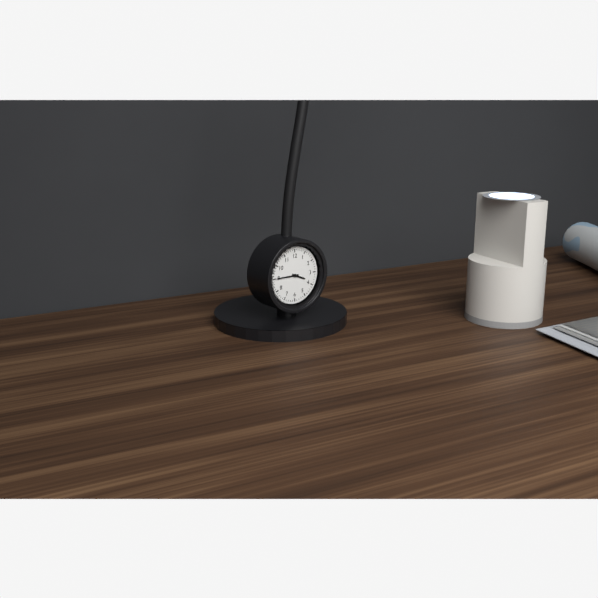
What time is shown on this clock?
3:45
